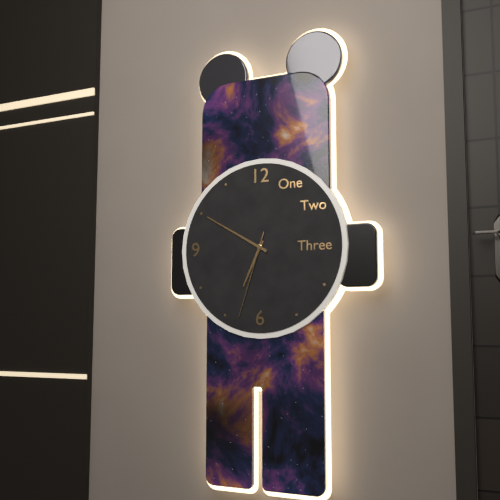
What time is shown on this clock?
6:50:33
